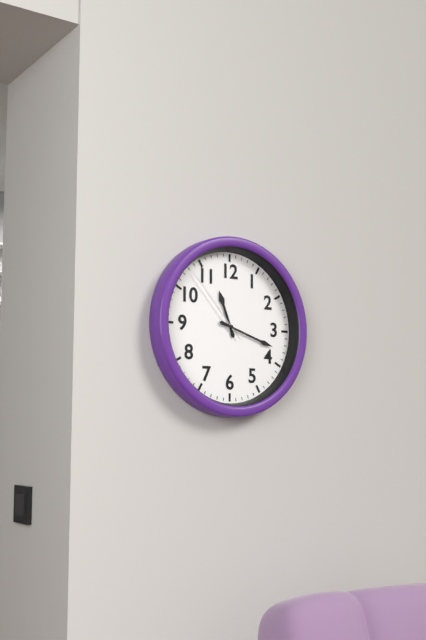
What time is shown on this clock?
11:18:53
